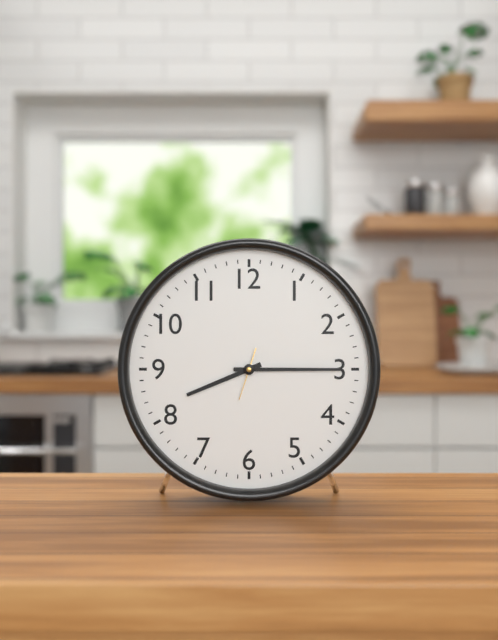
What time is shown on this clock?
8:15
